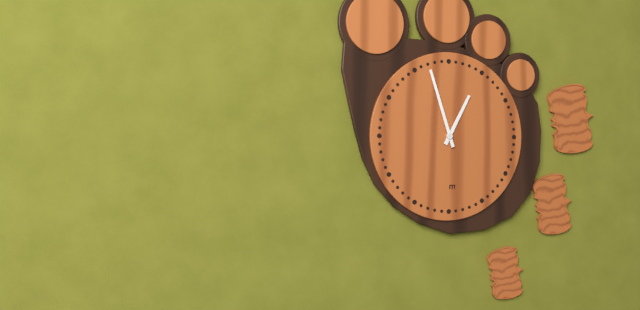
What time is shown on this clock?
12:57
